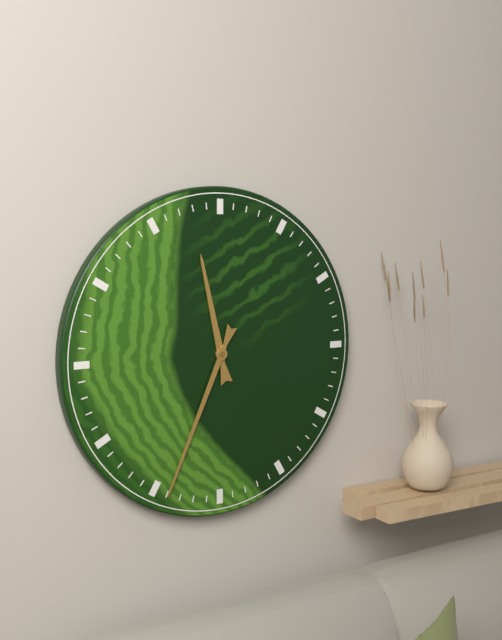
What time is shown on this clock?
11:34
